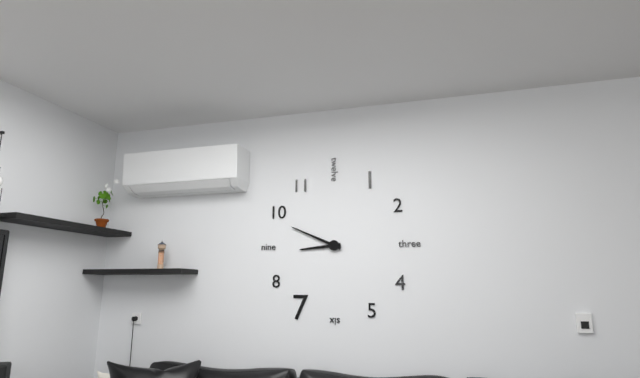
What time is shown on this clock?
8:49
